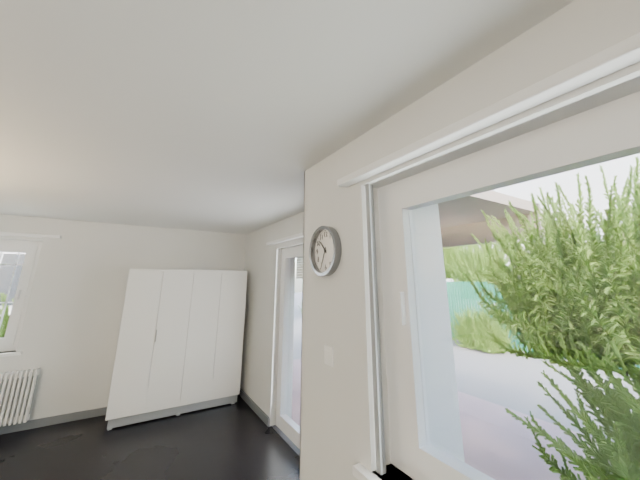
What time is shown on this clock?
10:34
